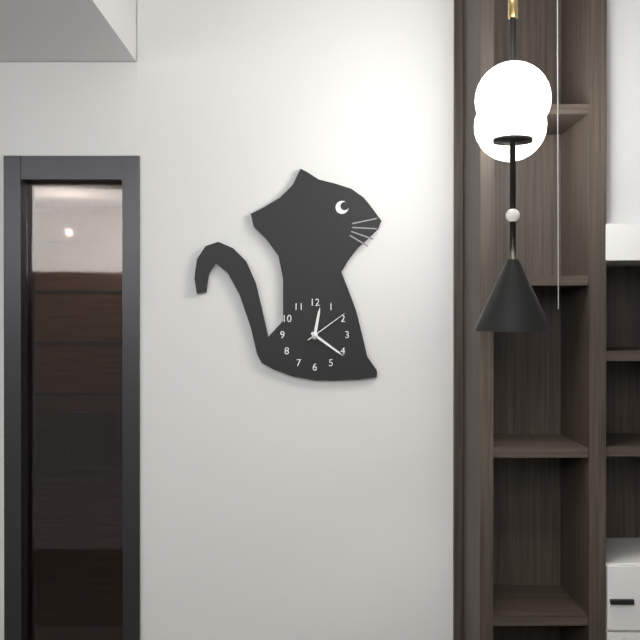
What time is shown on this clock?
12:21
